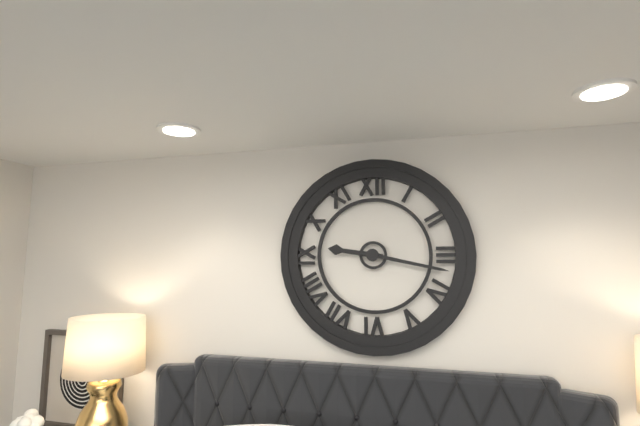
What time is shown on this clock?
9:17
